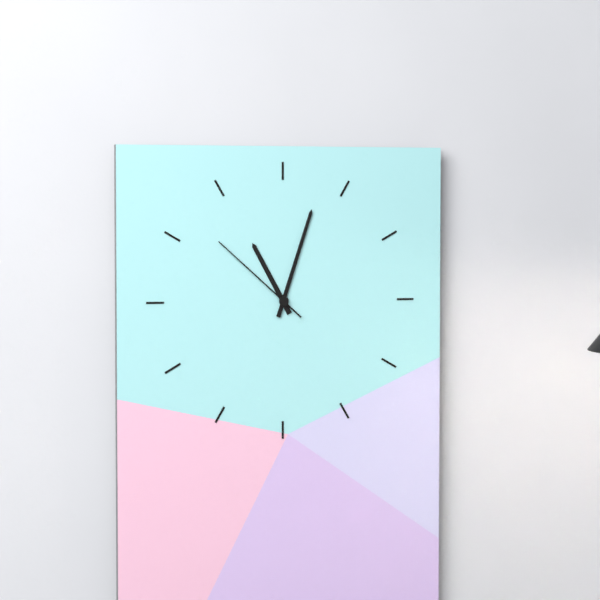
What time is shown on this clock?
11:03:52
